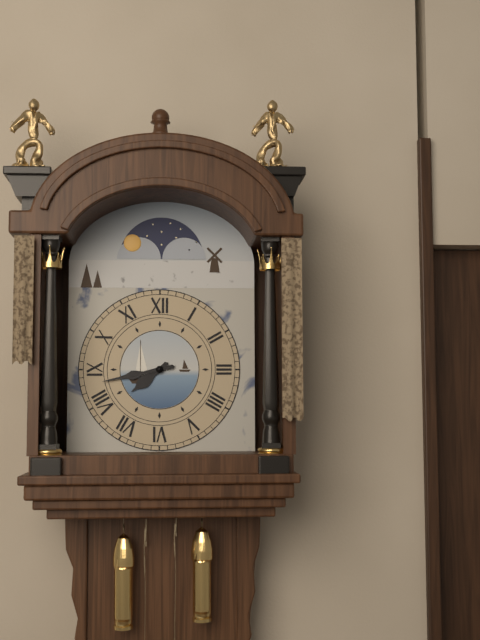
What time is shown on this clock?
7:43
